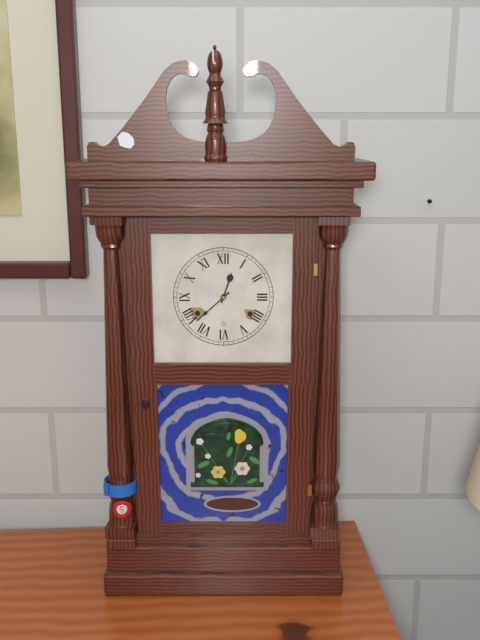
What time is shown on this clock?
12:38
